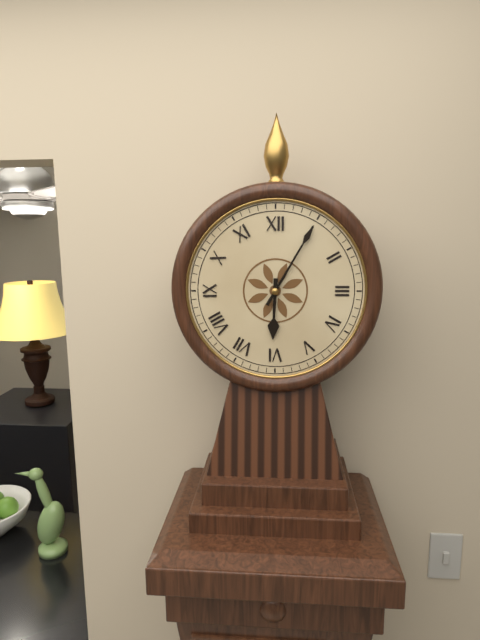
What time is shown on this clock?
6:05
